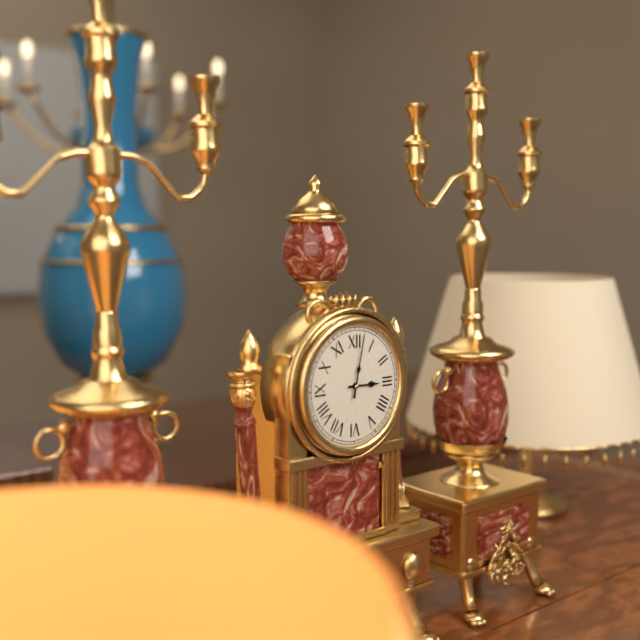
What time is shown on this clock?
3:02
